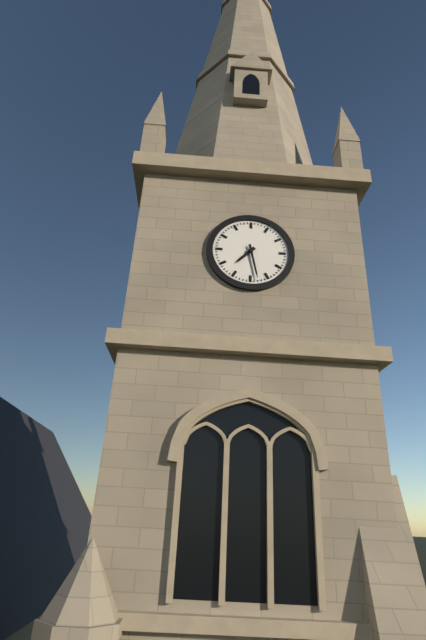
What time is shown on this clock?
7:28
